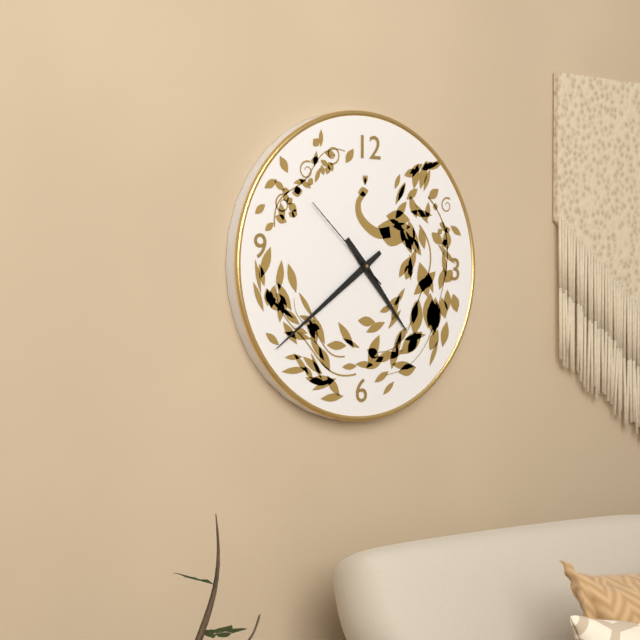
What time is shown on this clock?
4:39:52
